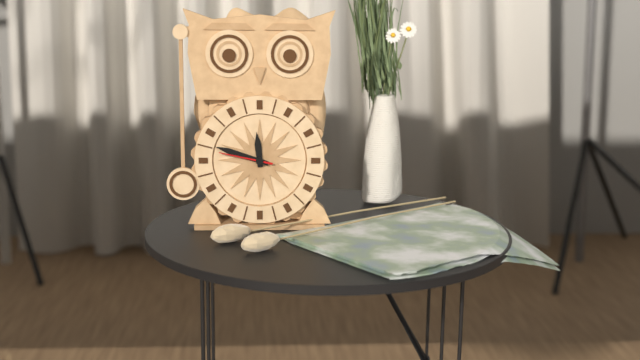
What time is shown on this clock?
11:48:47
